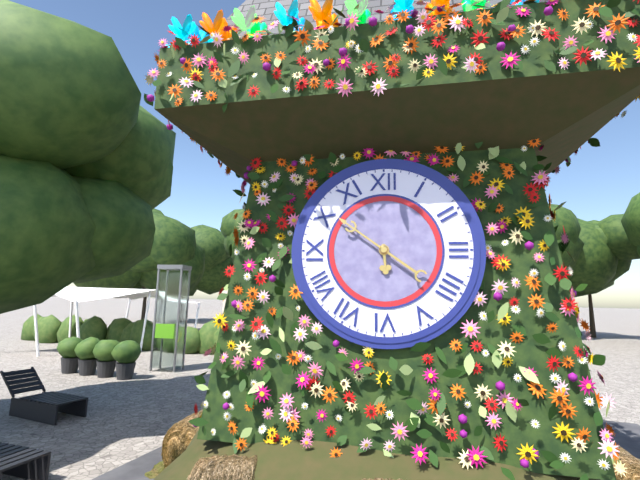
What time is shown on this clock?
5:51
